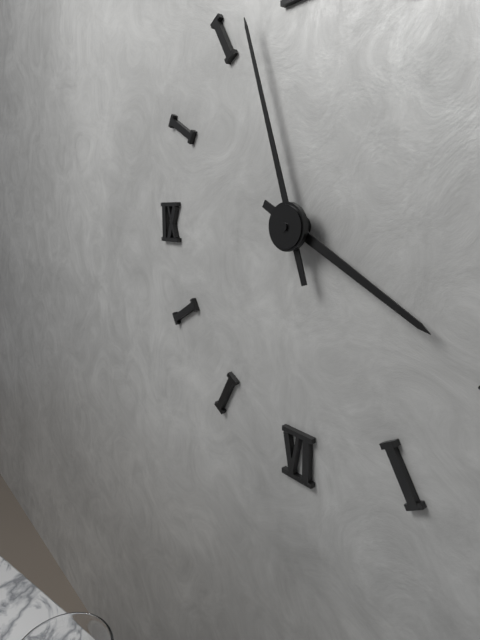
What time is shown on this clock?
3:57
